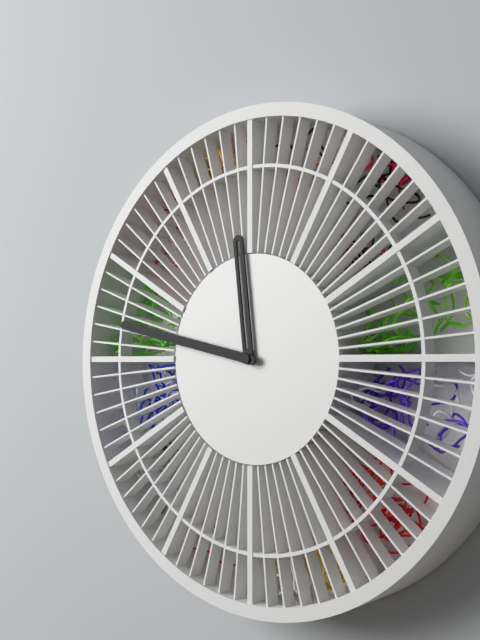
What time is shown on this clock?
11:47
